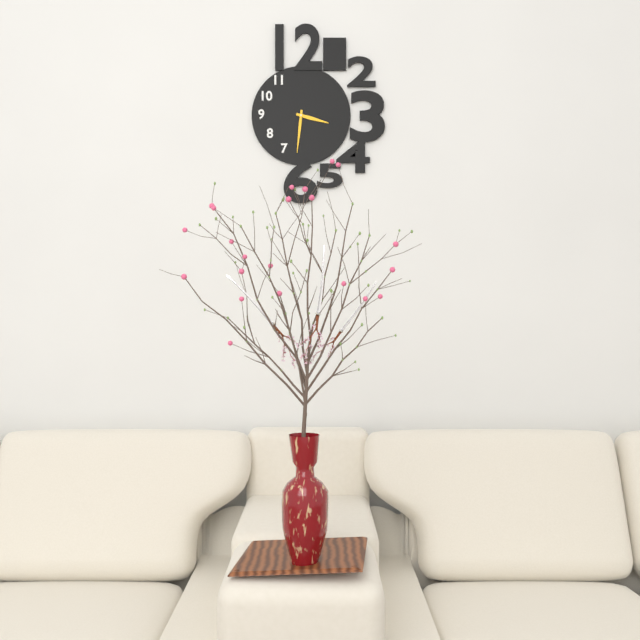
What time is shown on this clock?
3:31
